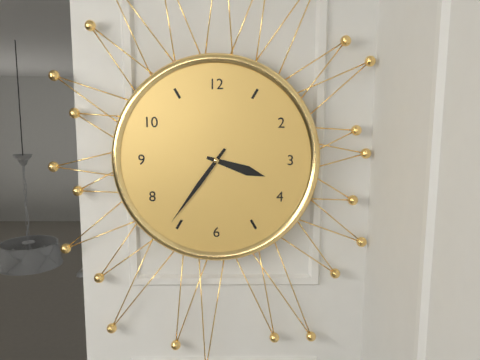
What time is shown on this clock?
3:36
